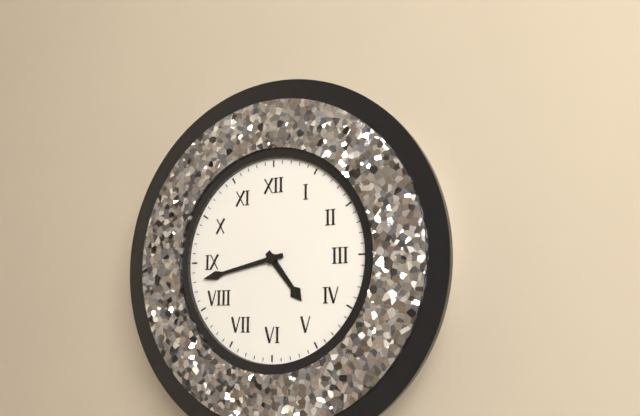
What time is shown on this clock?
4:43
